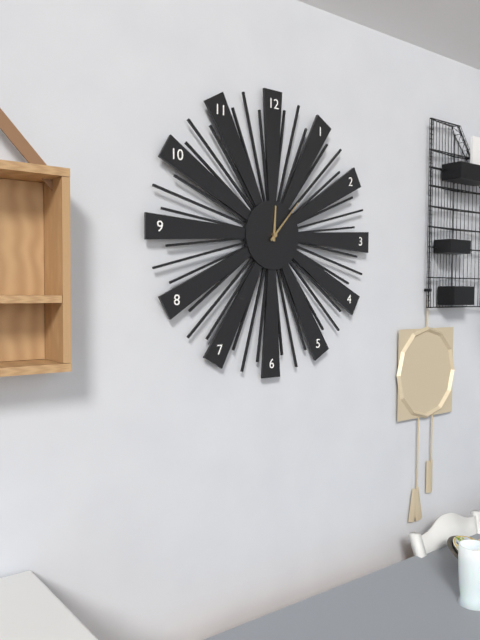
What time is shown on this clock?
12:07
